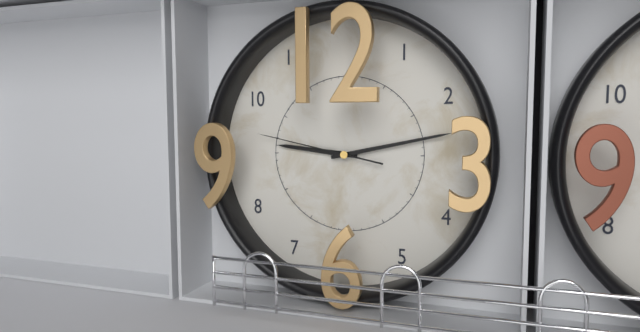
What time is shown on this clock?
9:13:47
